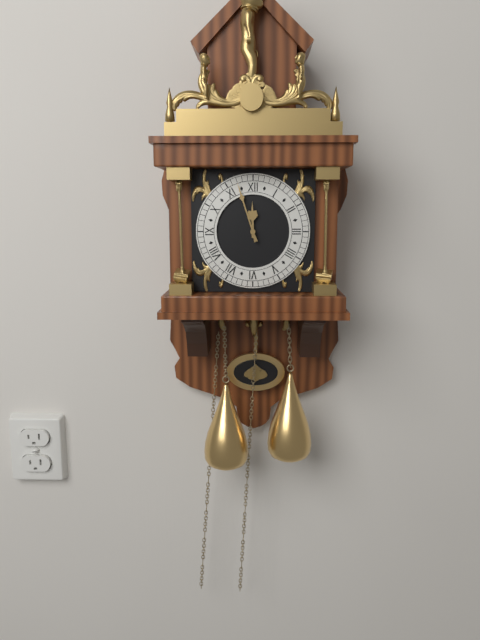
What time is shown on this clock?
11:57
